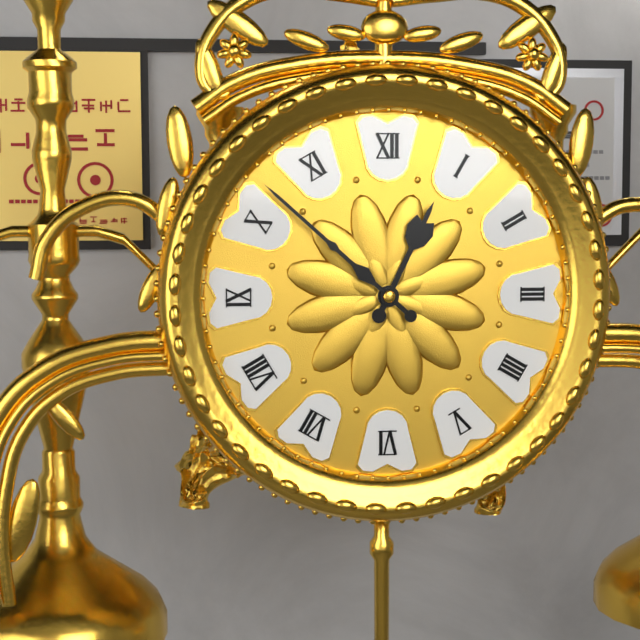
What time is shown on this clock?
12:52
